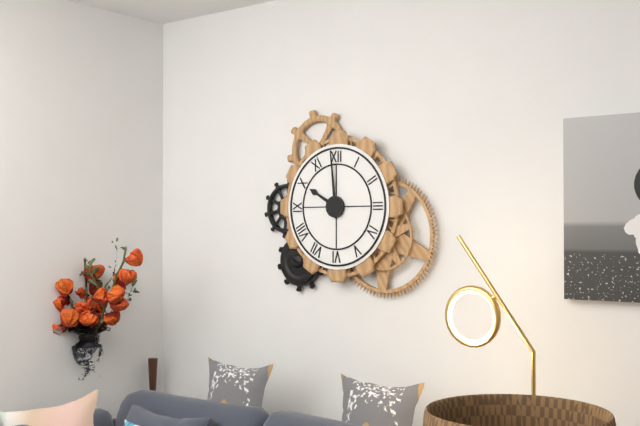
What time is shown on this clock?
9:59
